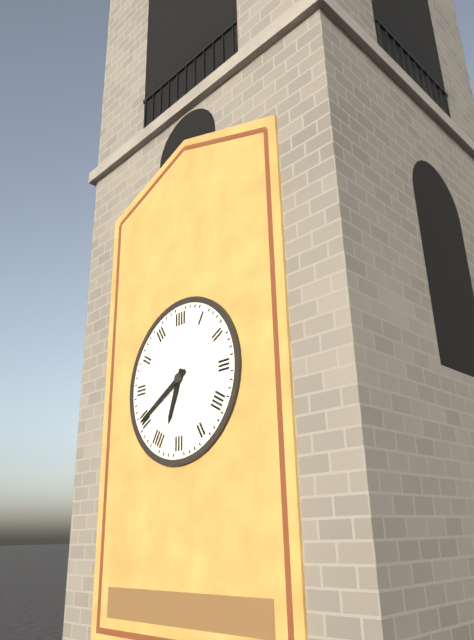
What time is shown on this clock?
6:40
